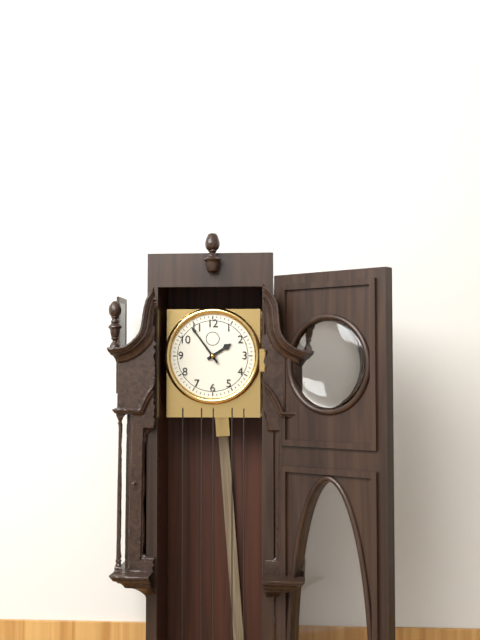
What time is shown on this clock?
1:54
